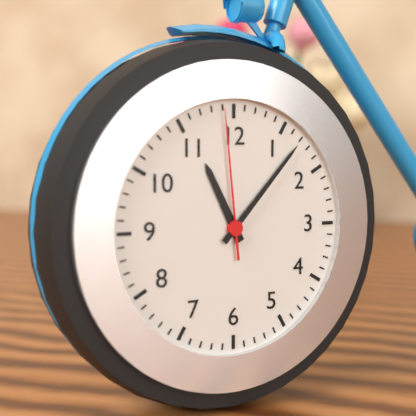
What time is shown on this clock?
11:07:59
